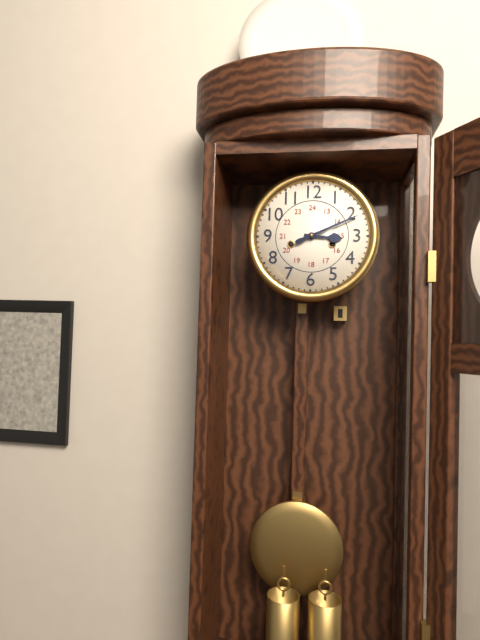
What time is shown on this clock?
3:11
